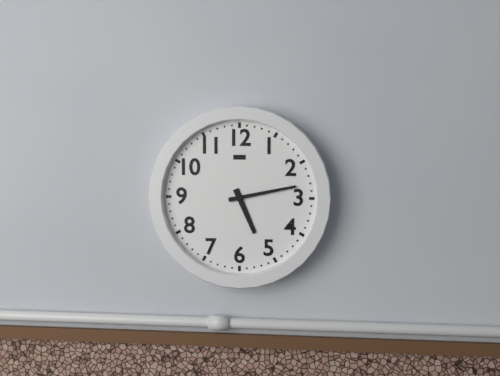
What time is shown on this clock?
5:13
